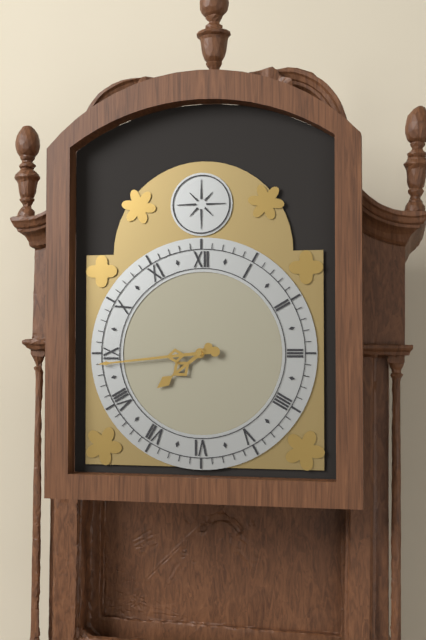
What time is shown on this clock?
7:44
